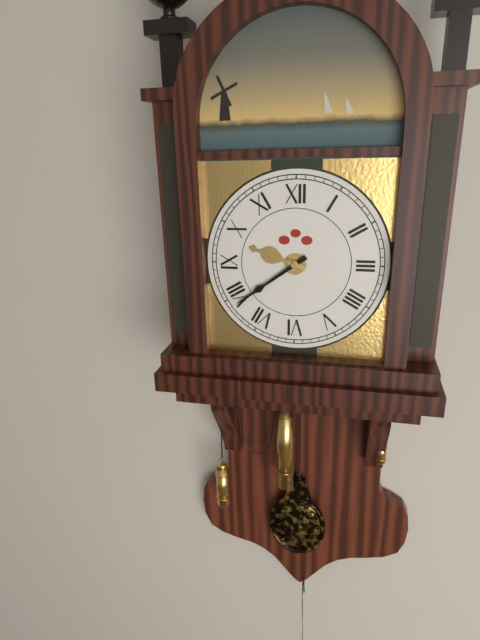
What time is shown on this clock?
9:39
